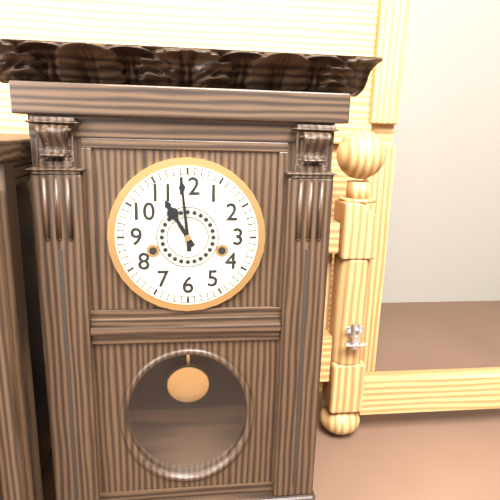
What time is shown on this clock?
10:59
